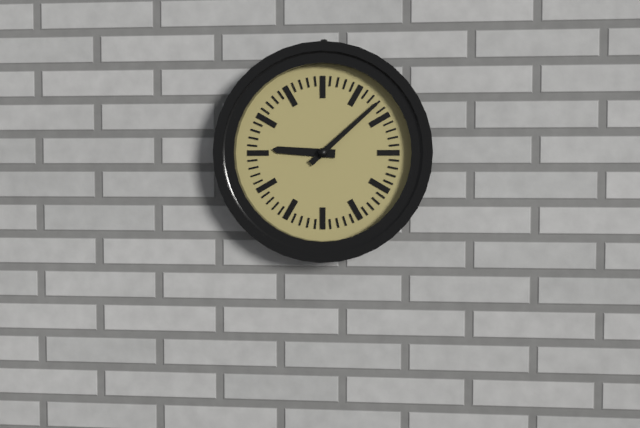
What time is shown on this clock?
9:08
